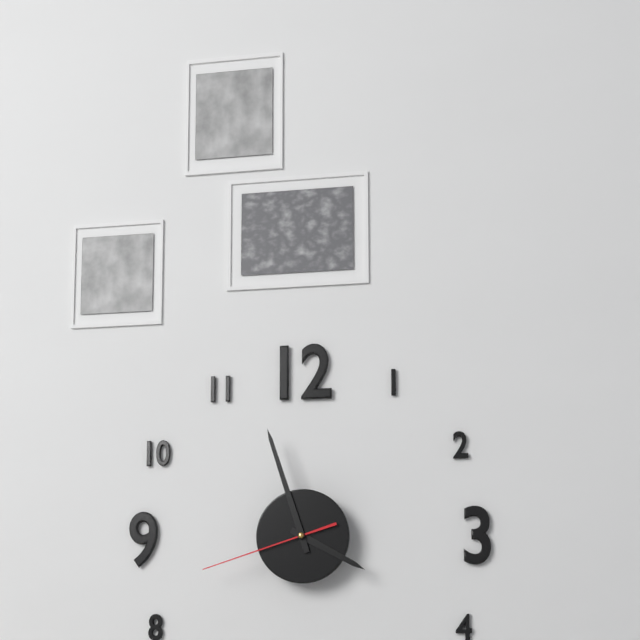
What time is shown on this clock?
3:57:42
